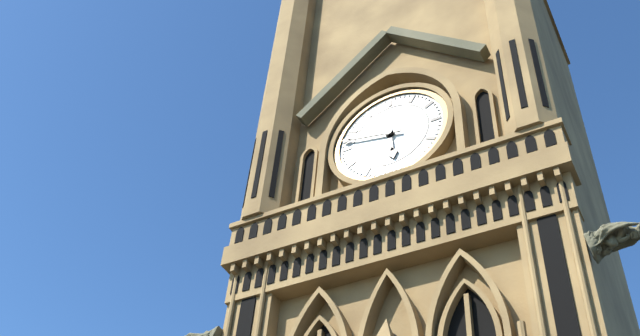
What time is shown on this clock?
5:47
